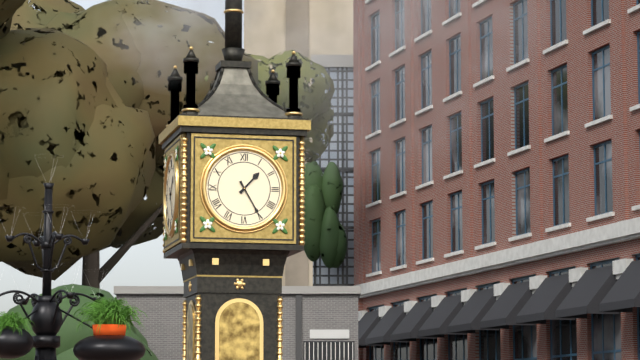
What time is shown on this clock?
1:25
